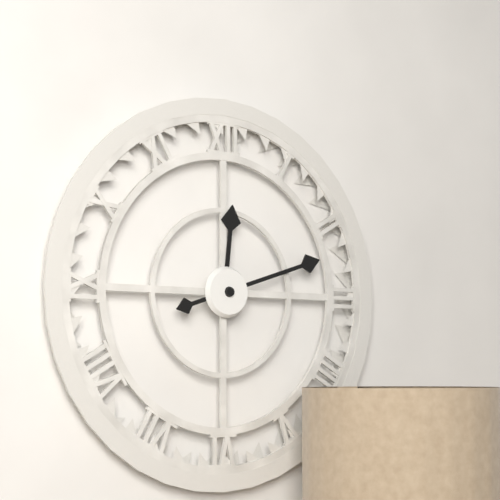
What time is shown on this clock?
12:12
